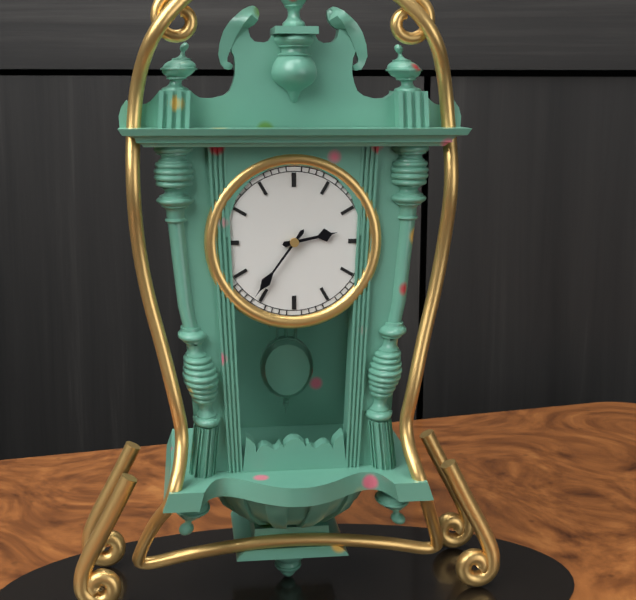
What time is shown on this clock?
2:36
